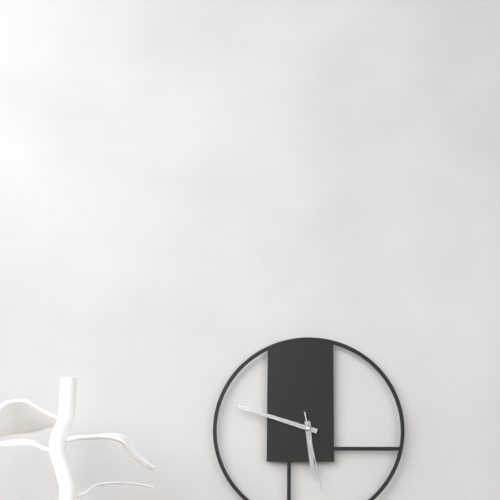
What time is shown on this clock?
5:48:28
